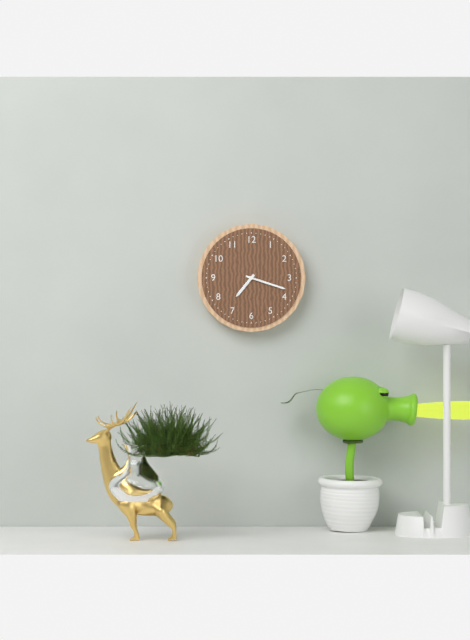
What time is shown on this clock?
7:18
